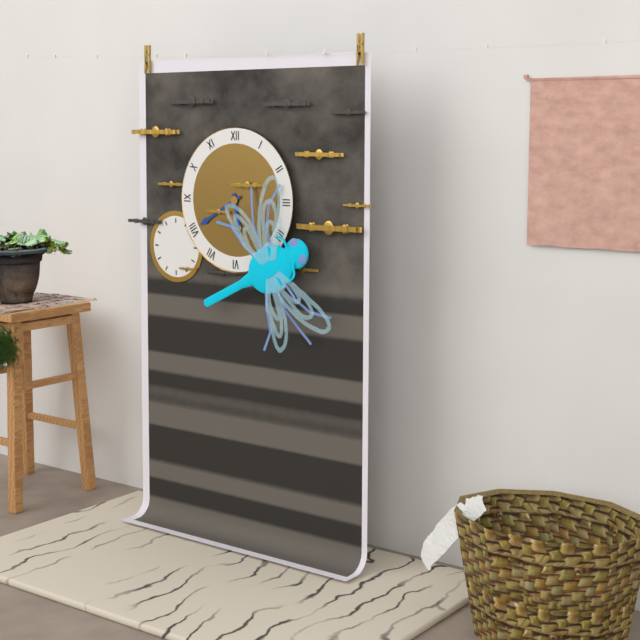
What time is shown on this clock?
5:40
